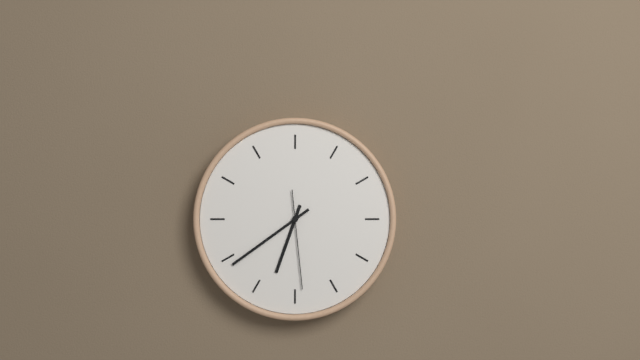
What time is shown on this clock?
6:39:29
